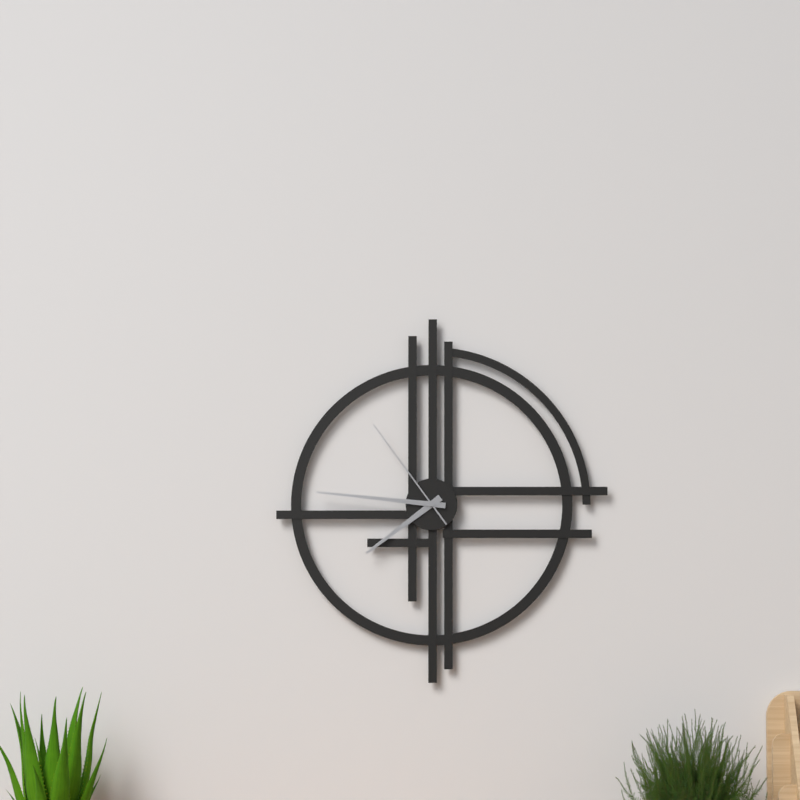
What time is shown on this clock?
7:46:54
